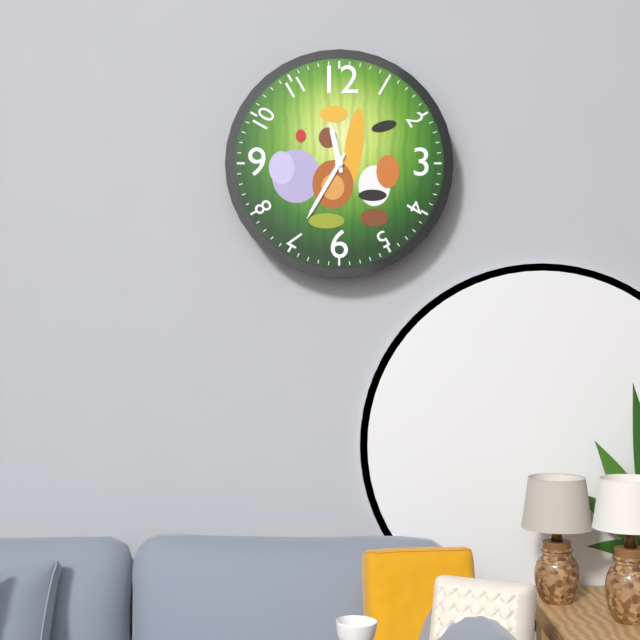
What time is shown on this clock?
11:35
